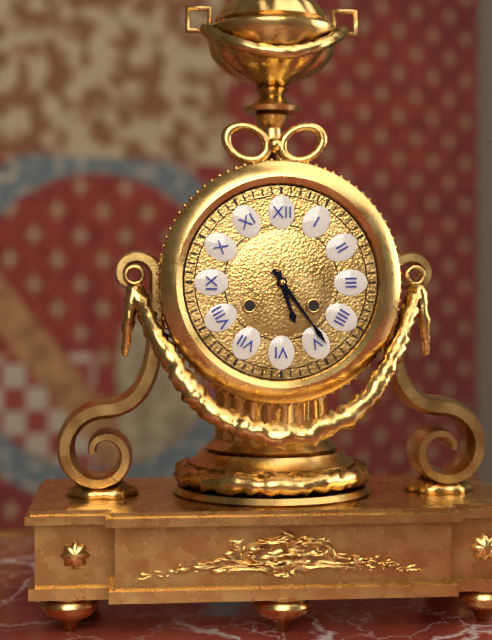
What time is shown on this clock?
5:24
